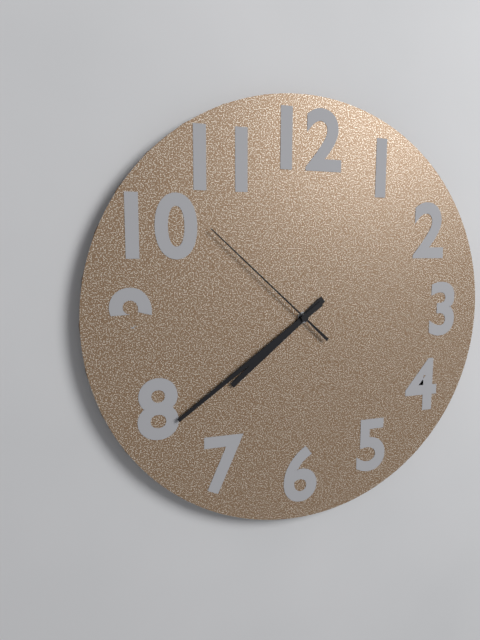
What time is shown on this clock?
7:39:52
